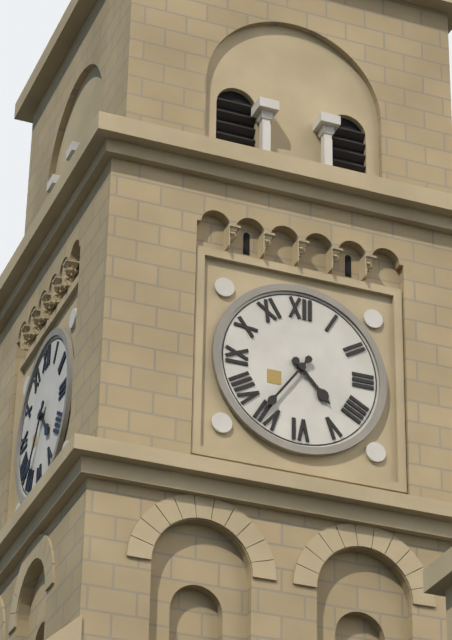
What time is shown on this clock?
4:36
